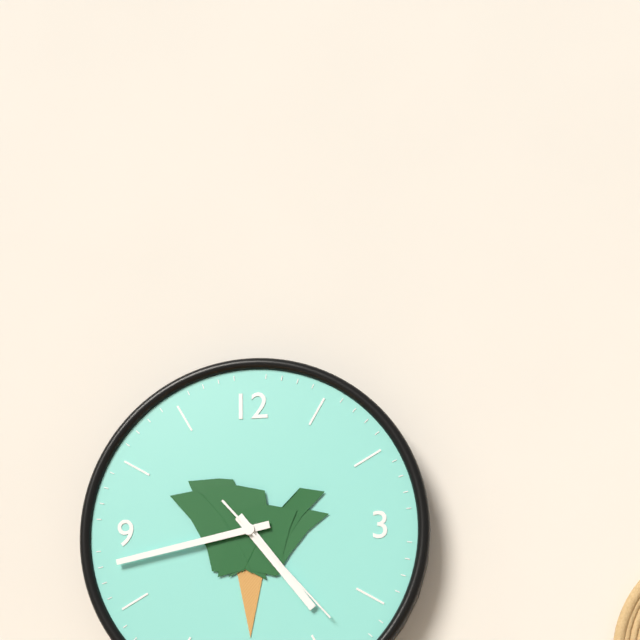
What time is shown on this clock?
4:43:23
